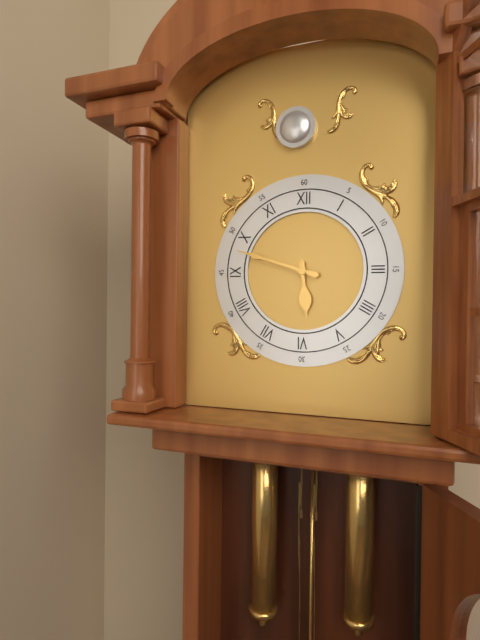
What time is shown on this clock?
5:48
